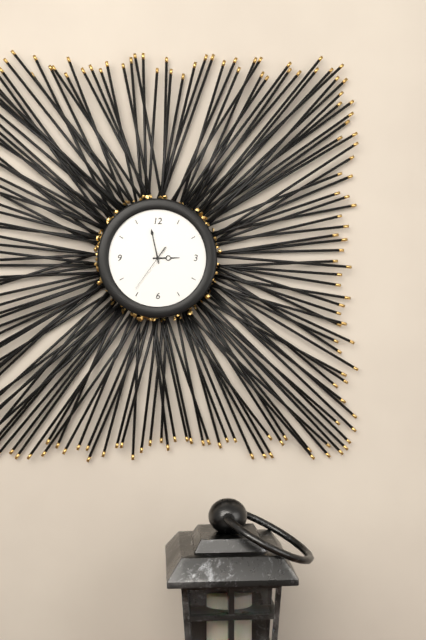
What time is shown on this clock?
2:58
